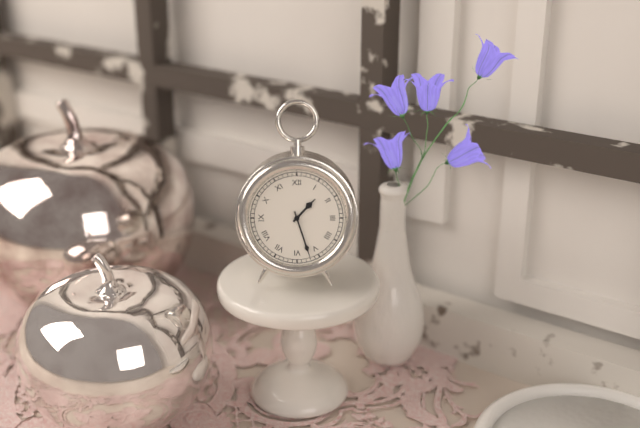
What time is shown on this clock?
1:27
